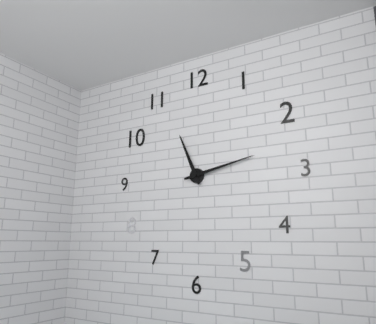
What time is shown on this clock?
11:13
